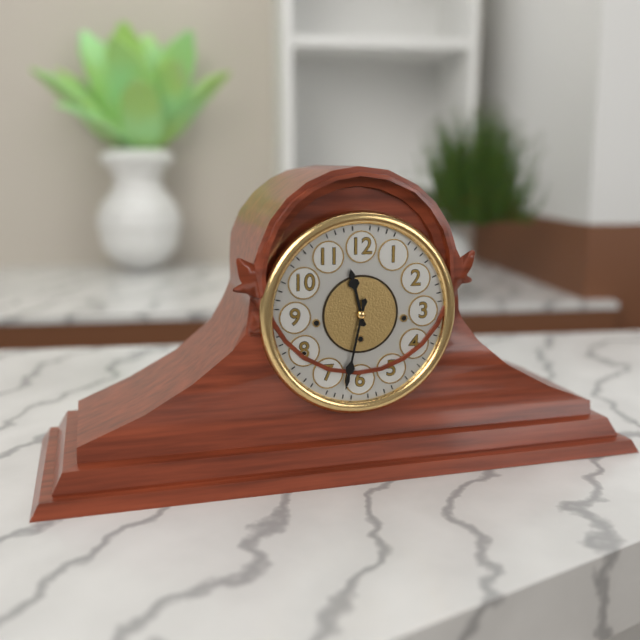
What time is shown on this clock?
11:32
